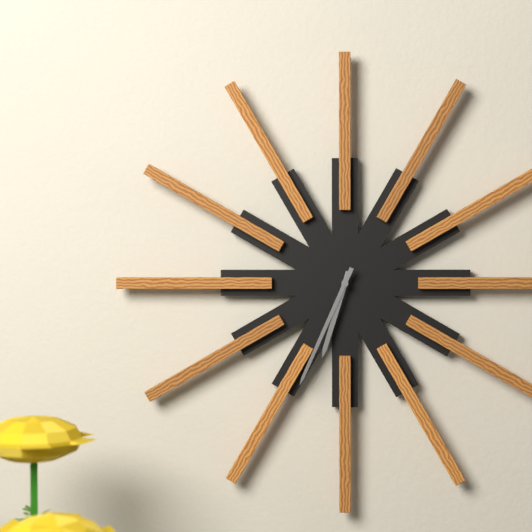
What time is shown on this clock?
6:34
